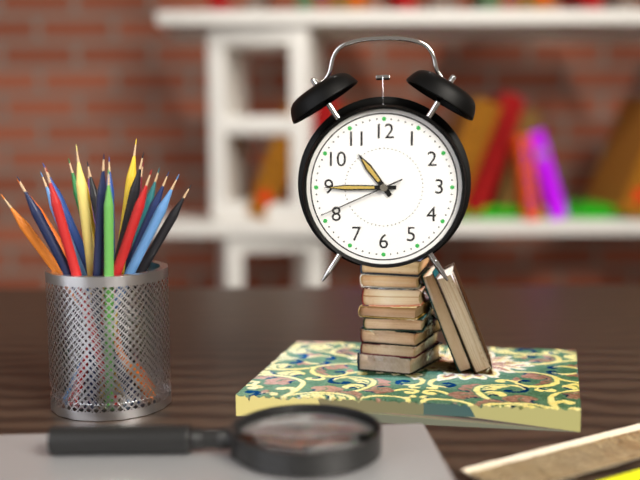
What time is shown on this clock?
10:45:41
